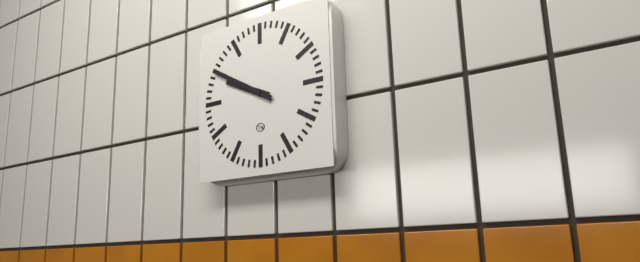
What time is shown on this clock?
9:50
